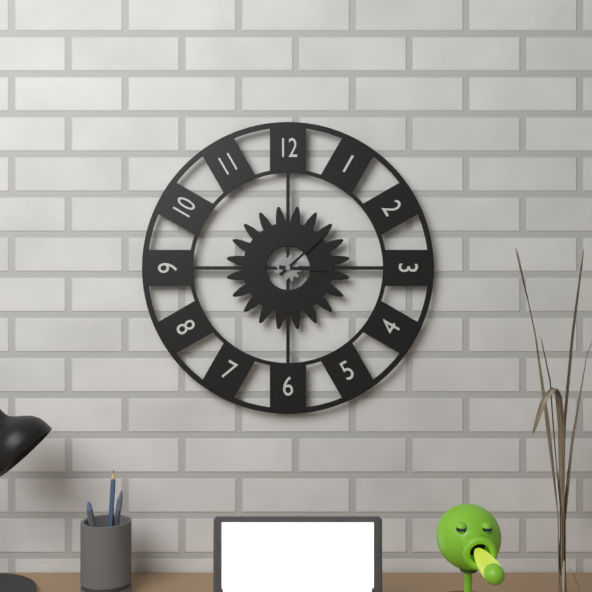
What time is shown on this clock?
3:08
